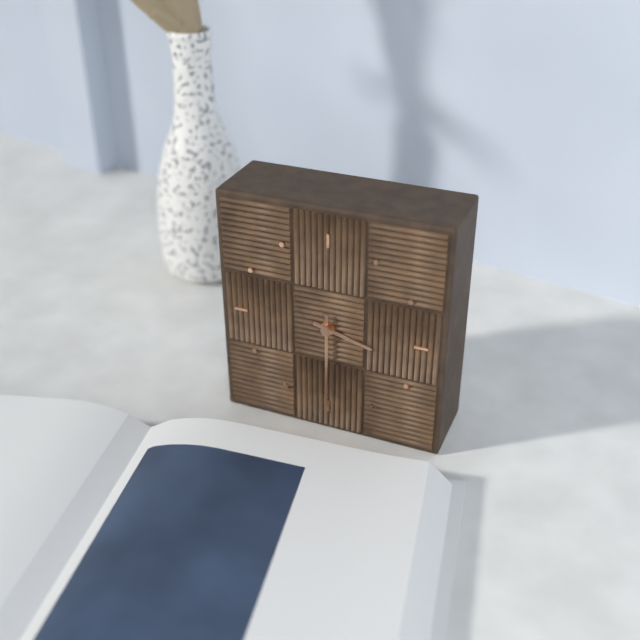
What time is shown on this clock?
3:30
